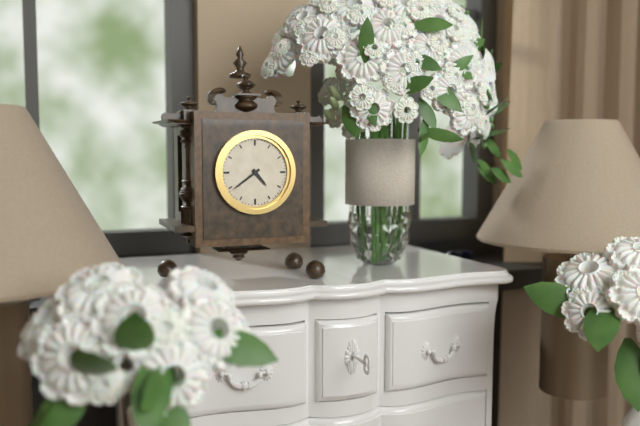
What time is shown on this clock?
4:39
